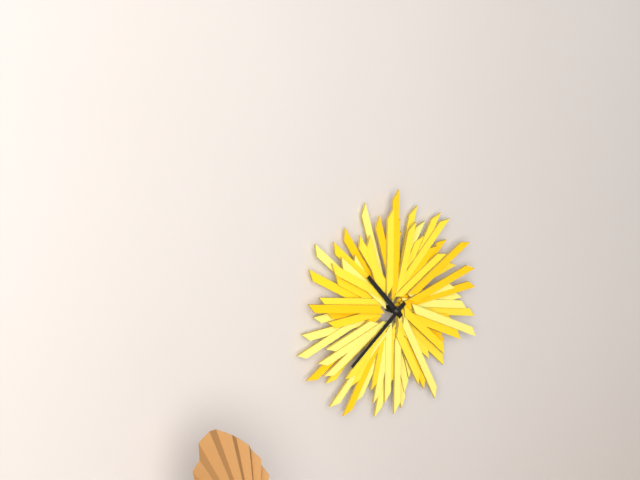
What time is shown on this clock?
10:39
